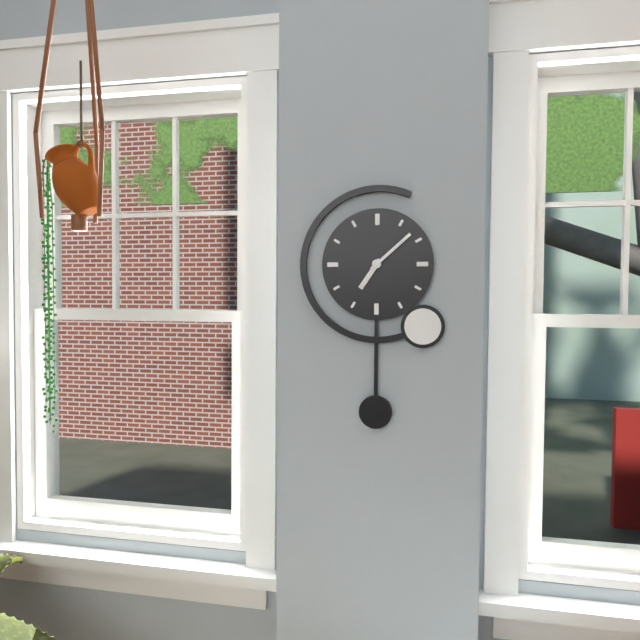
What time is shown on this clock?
7:08
